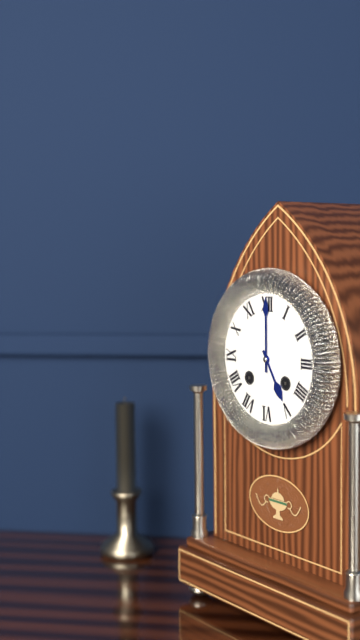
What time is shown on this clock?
5:00
